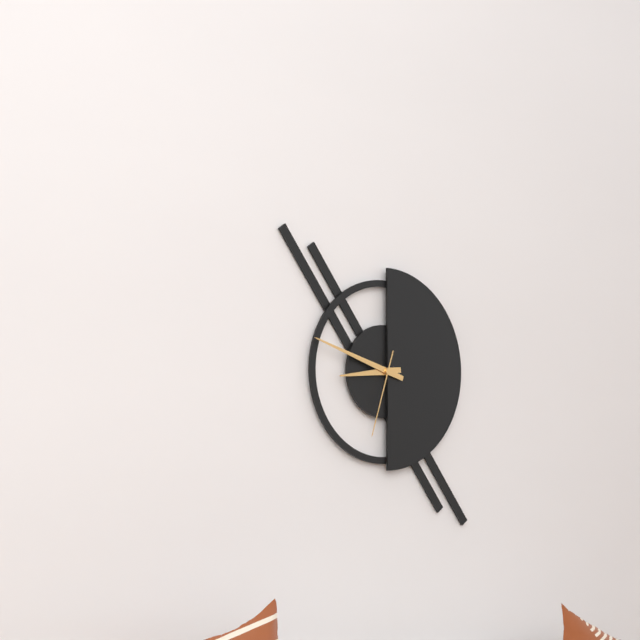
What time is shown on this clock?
8:48:33
